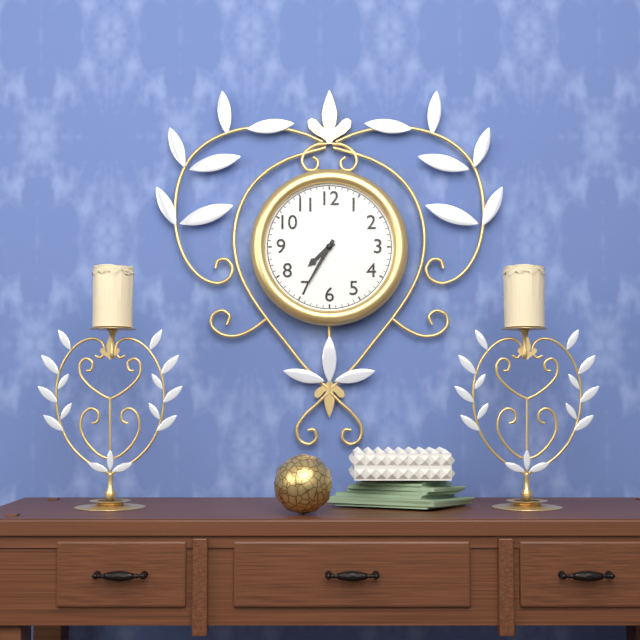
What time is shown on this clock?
7:35
